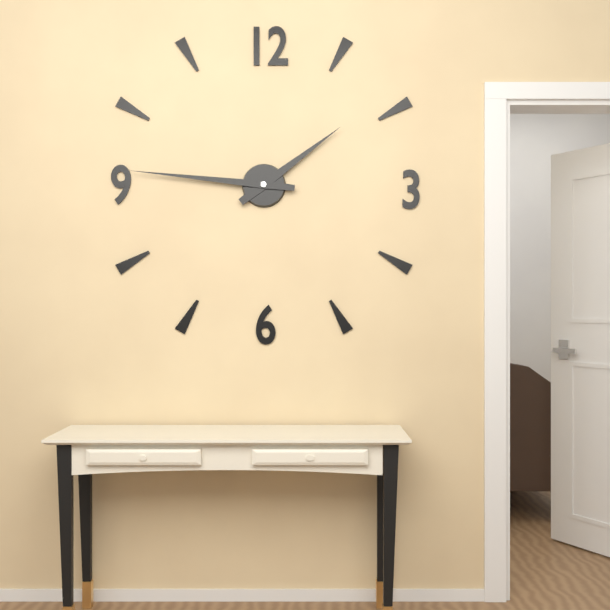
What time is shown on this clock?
1:46
